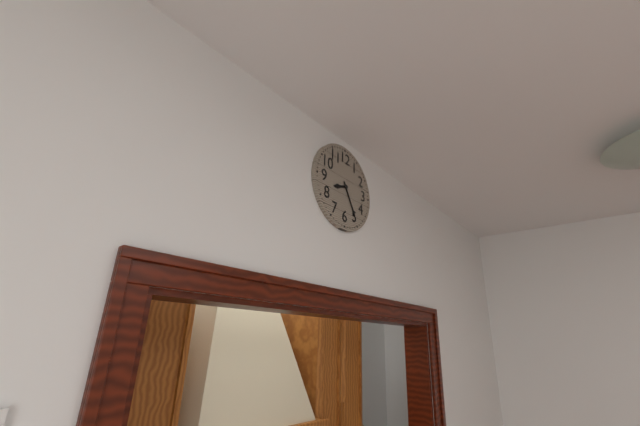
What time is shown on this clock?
8:25
